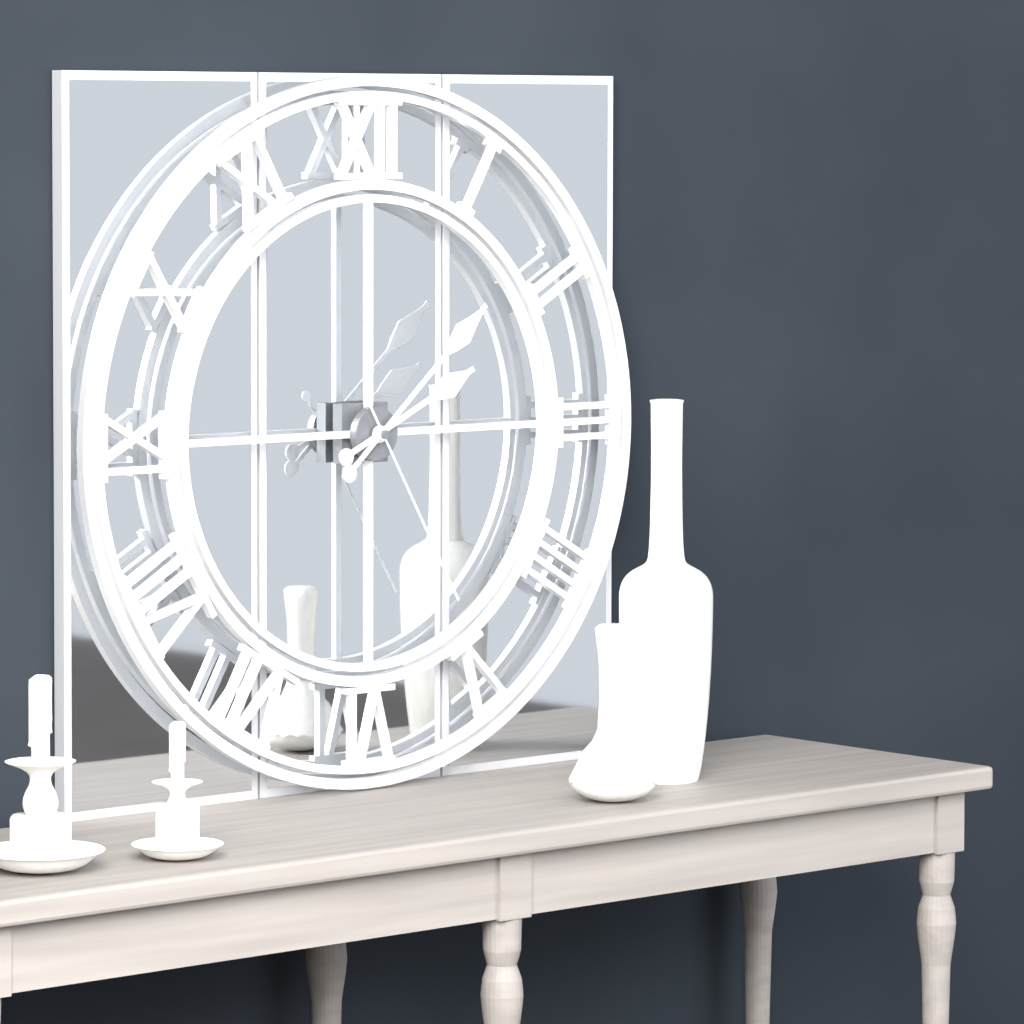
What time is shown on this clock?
2:08:25
